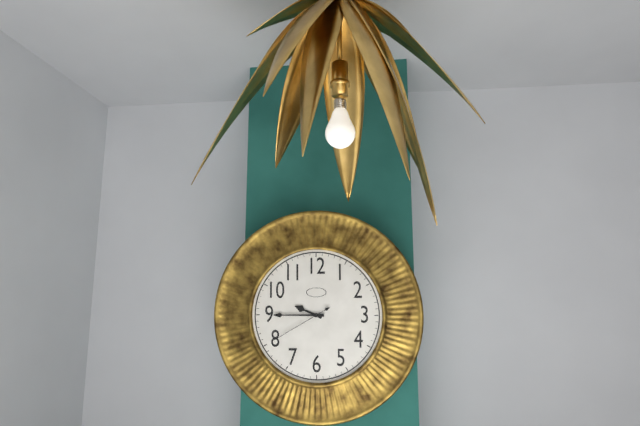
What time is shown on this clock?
9:45:40
